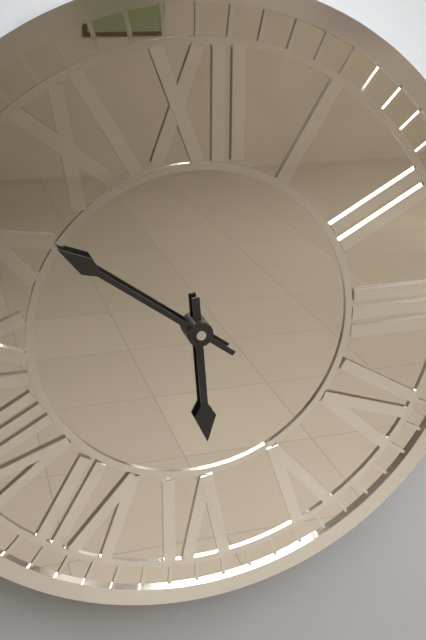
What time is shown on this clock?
5:51
